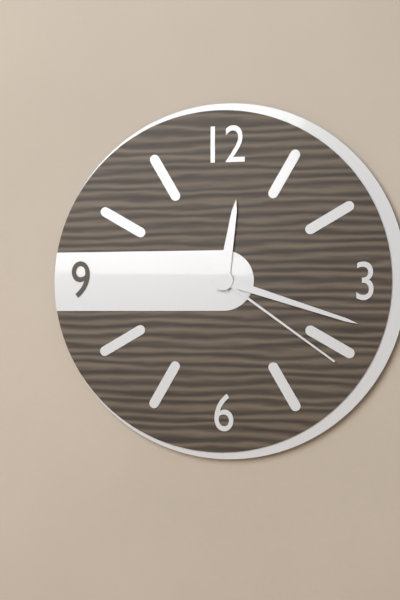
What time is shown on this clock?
12:18:21
